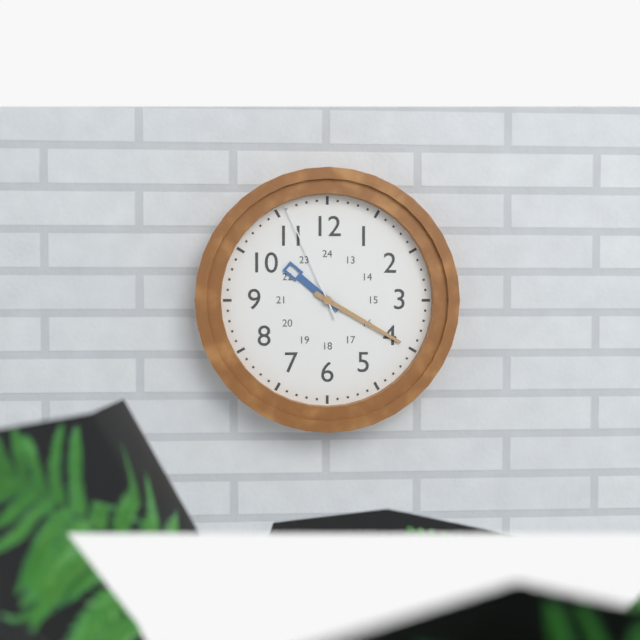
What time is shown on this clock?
10:20:56
